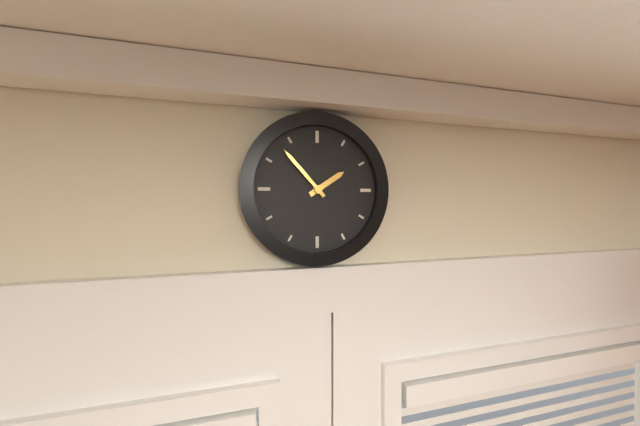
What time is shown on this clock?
1:53
